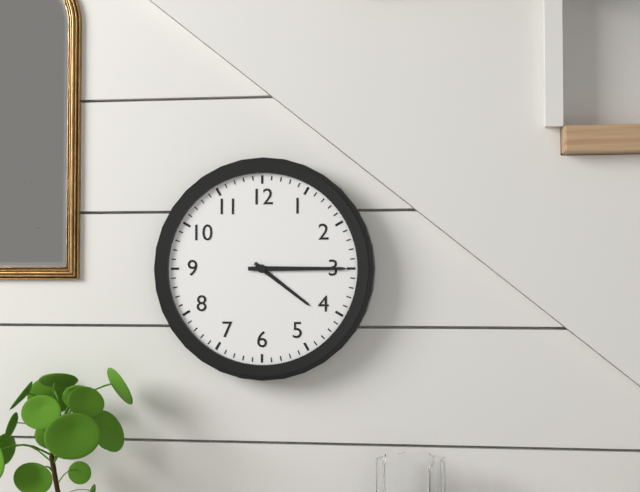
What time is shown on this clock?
4:15
